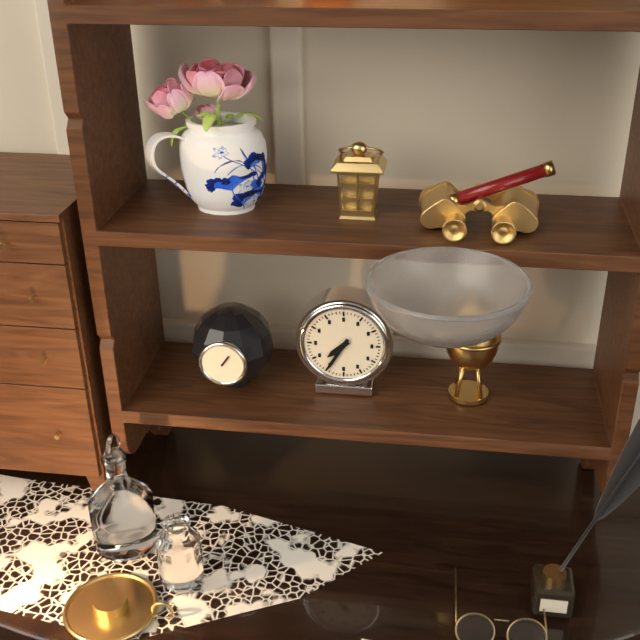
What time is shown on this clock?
7:35
